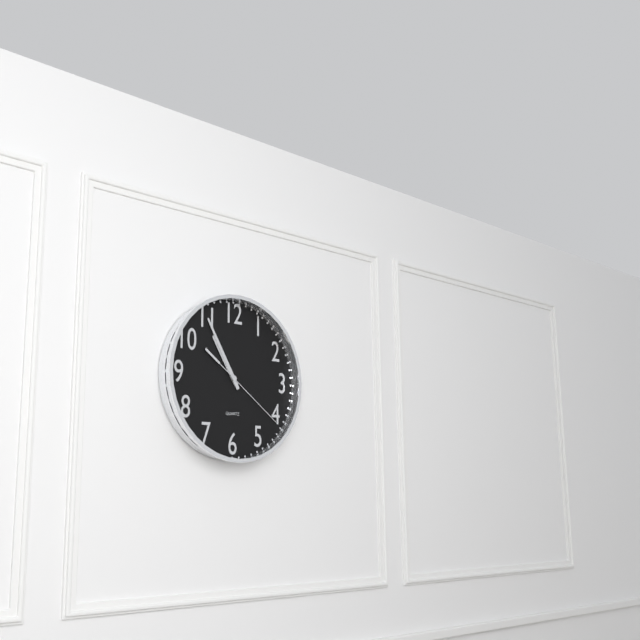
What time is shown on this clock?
10:55:21
